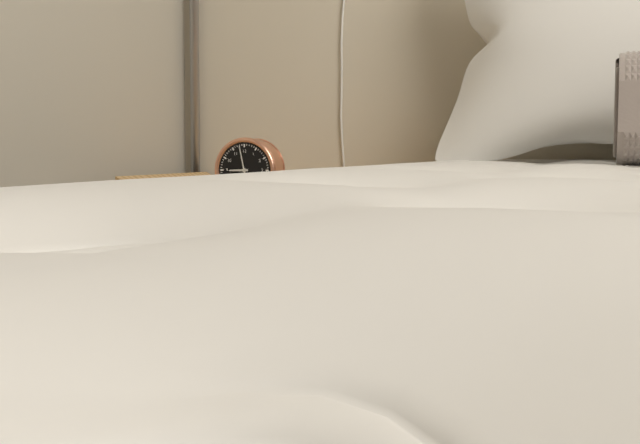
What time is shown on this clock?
8:58
